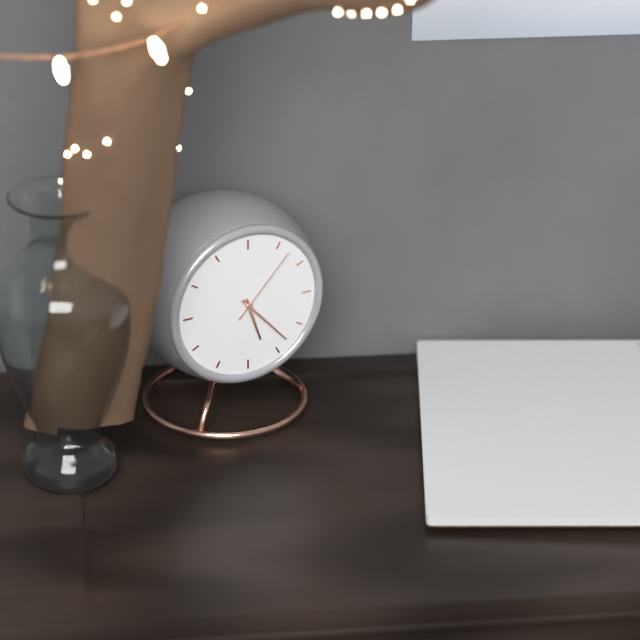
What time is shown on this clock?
5:23:07
